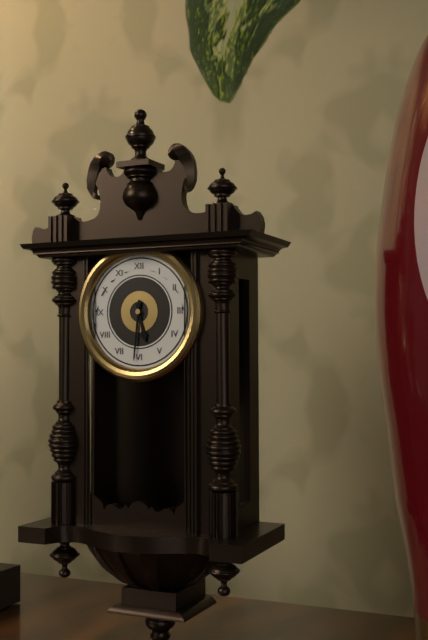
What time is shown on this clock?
5:31
